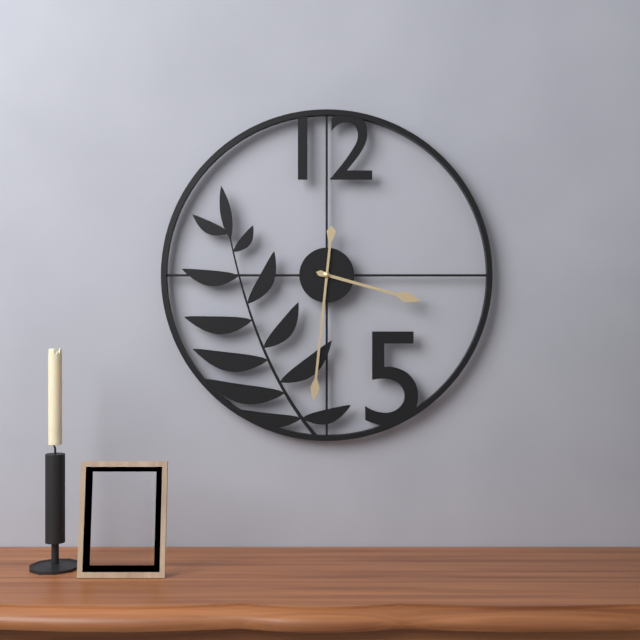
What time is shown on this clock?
3:31
